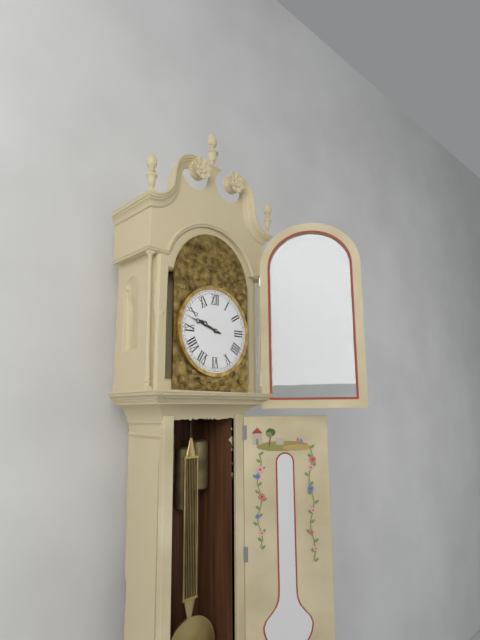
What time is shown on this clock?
9:48
